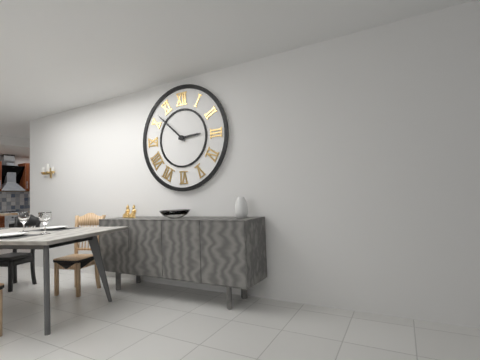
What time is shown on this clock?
2:52
